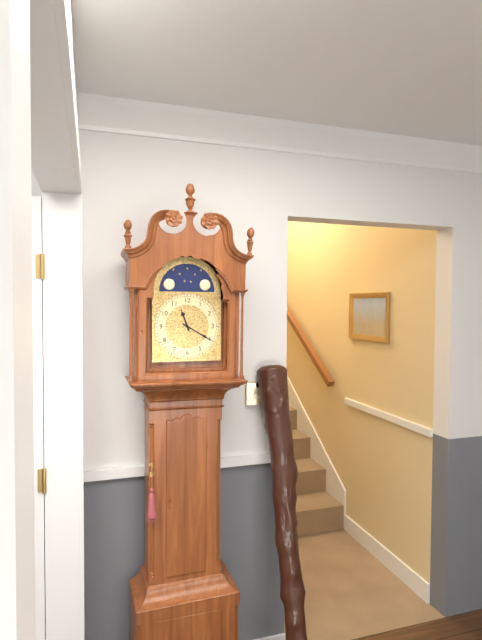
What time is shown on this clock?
11:20
